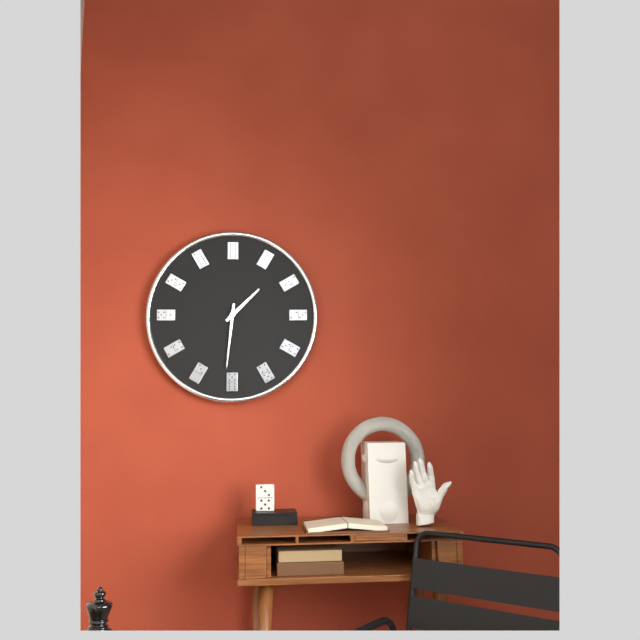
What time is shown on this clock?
1:31
